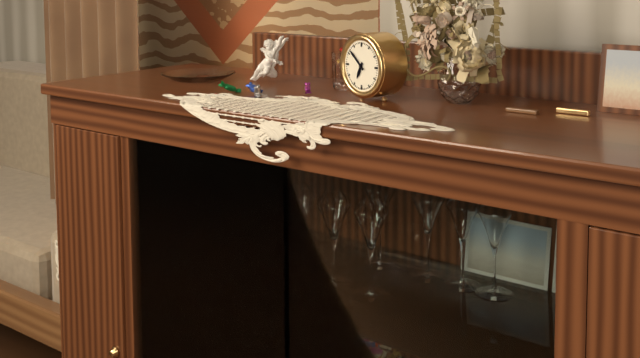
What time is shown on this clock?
6:52
